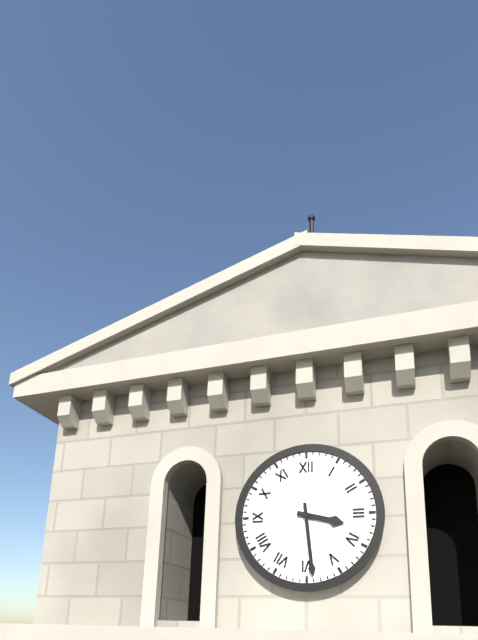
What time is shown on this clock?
3:29
